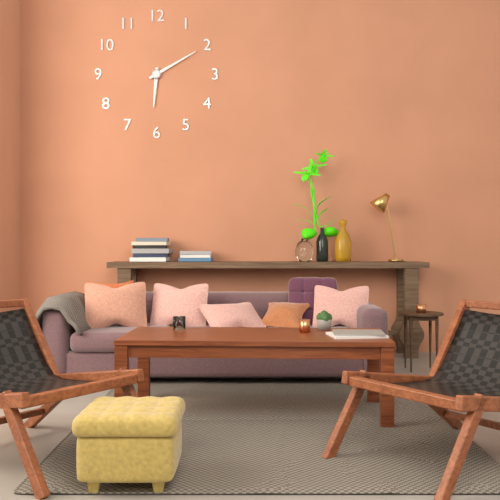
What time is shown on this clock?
6:10
